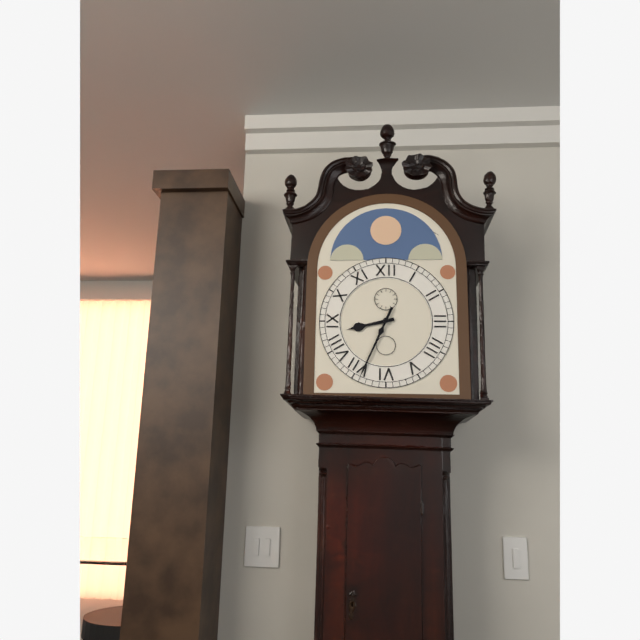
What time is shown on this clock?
8:34
